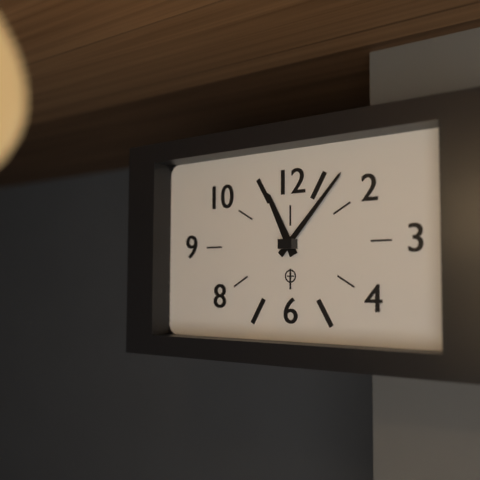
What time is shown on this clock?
11:07
